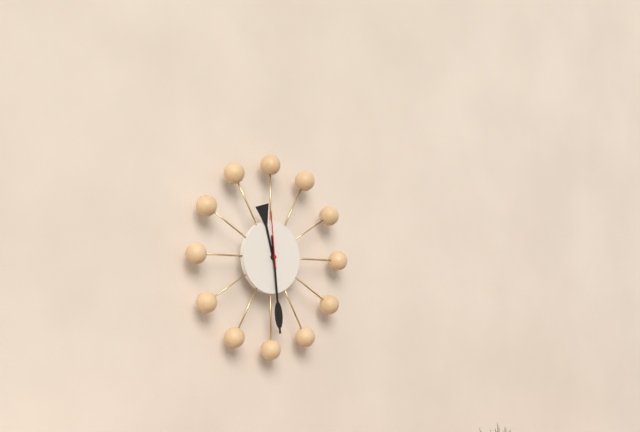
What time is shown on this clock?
11:29:59
